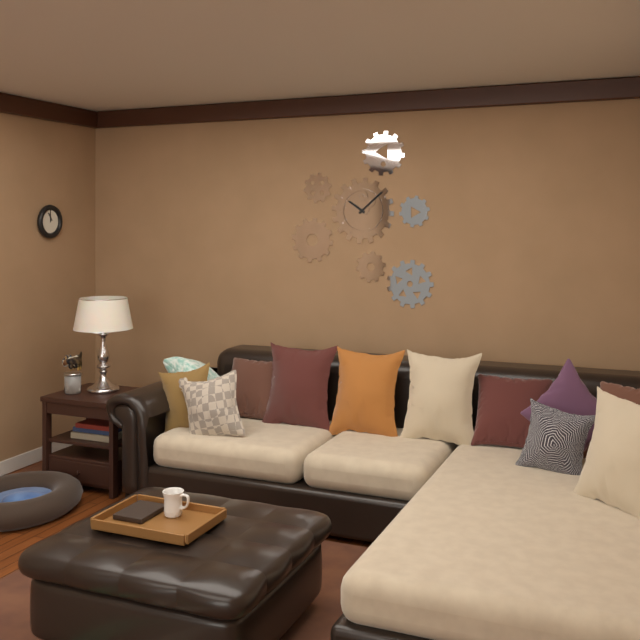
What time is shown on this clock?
10:08
